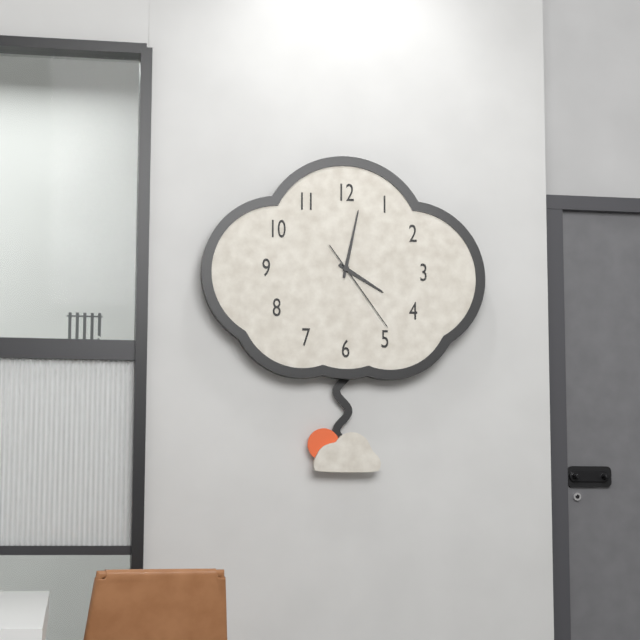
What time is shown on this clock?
4:02:24
